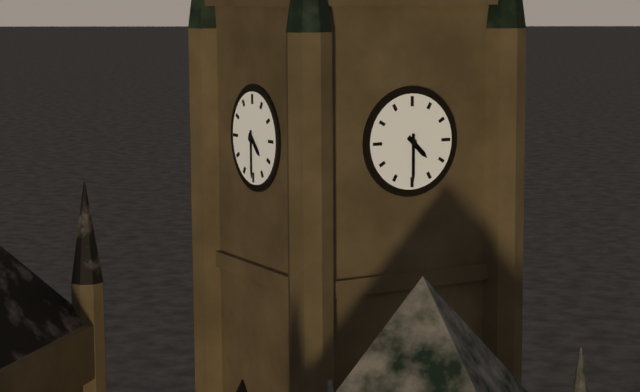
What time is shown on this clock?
4:30
